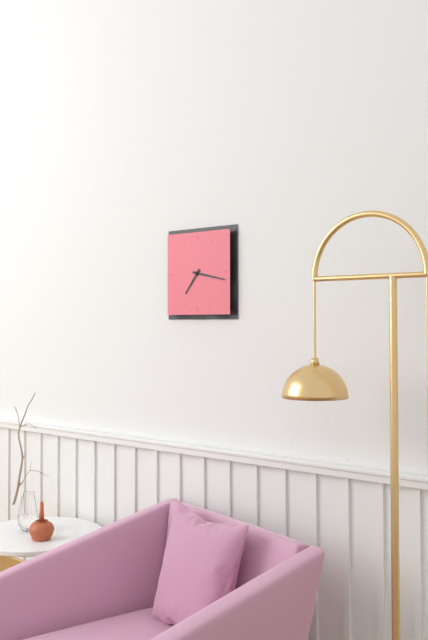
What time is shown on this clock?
7:17
